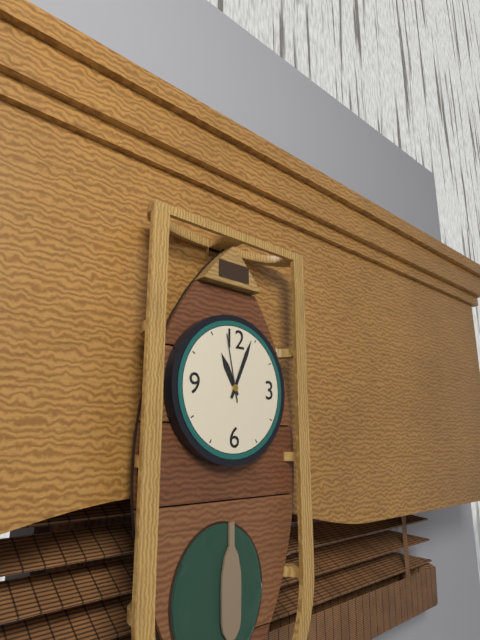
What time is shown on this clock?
11:04:58
